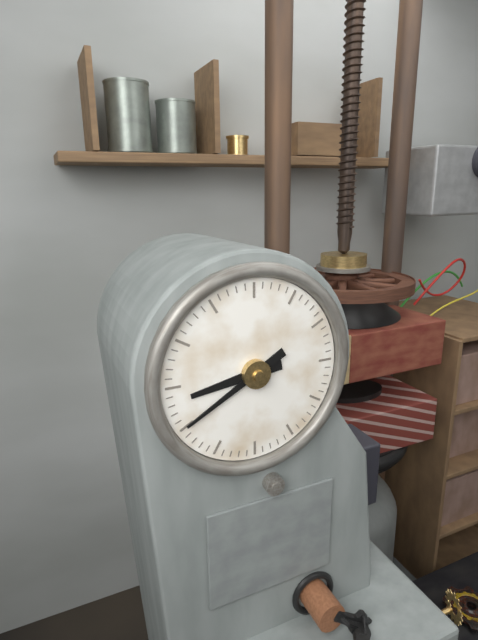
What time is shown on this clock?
8:40
